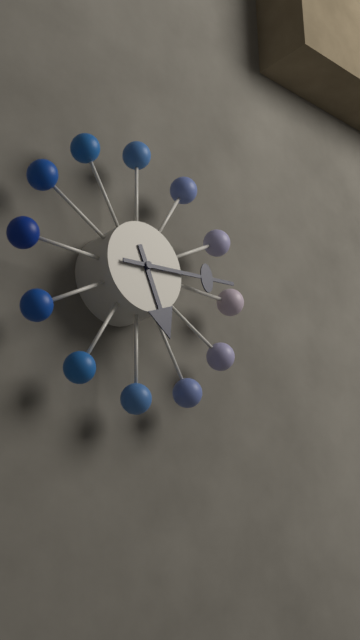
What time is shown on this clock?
5:14
